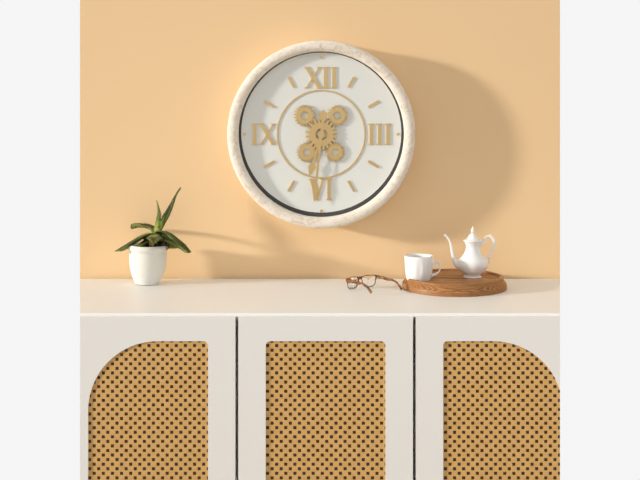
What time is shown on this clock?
6:31
